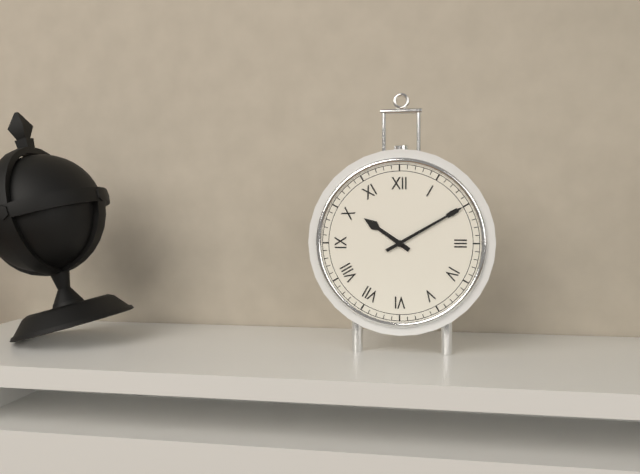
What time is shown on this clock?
10:10
